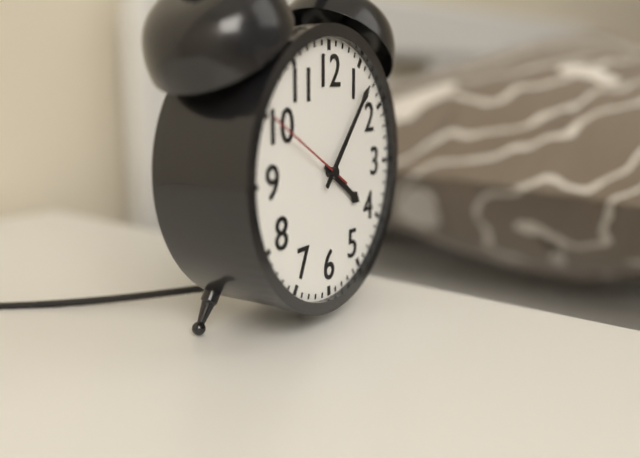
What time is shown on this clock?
4:07:50
